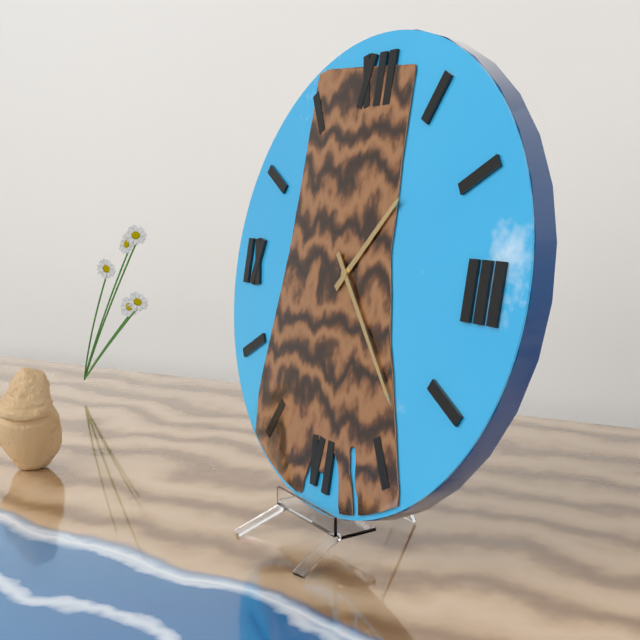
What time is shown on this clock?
1:23
